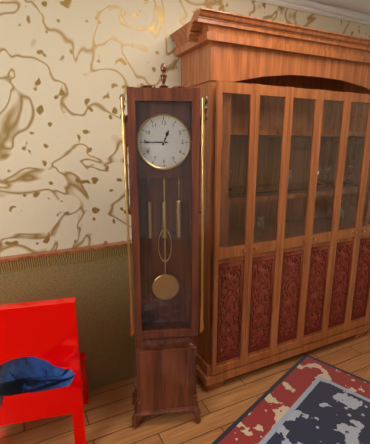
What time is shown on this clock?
12:45
